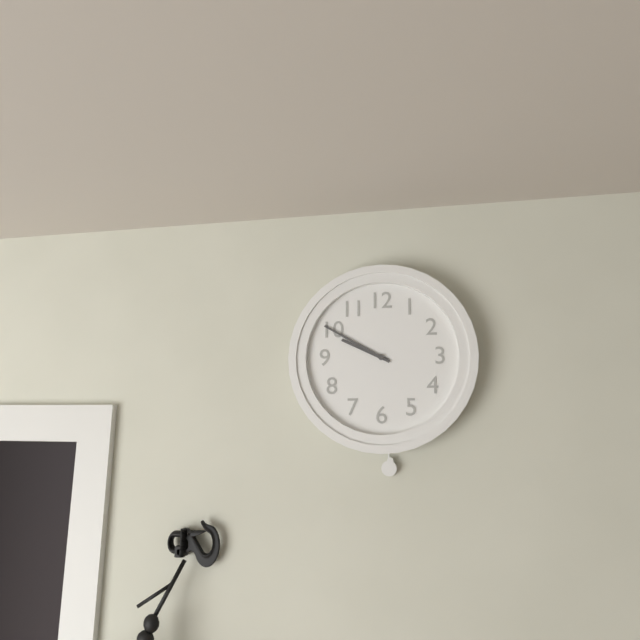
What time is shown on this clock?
9:50
